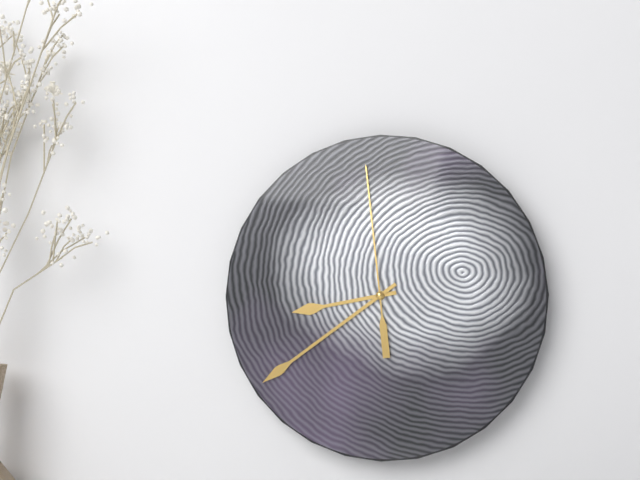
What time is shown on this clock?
8:39:59
